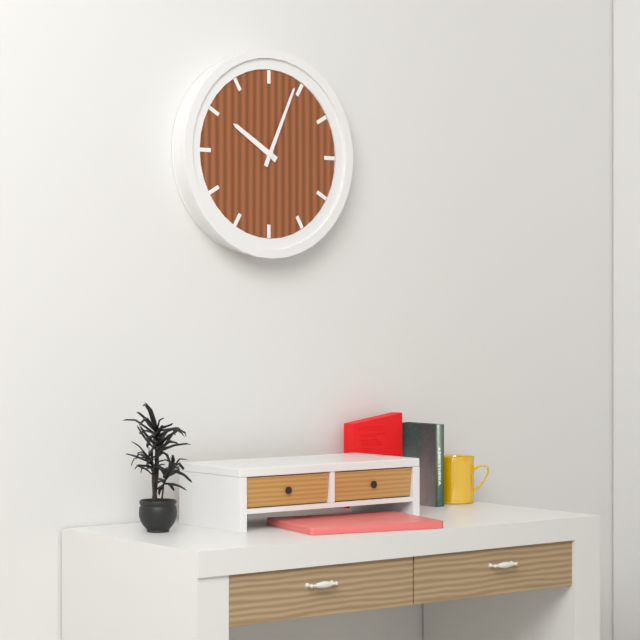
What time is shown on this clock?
10:04
